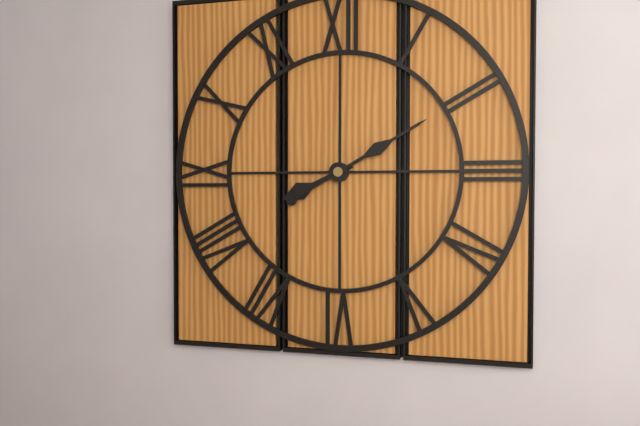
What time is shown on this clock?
8:10
